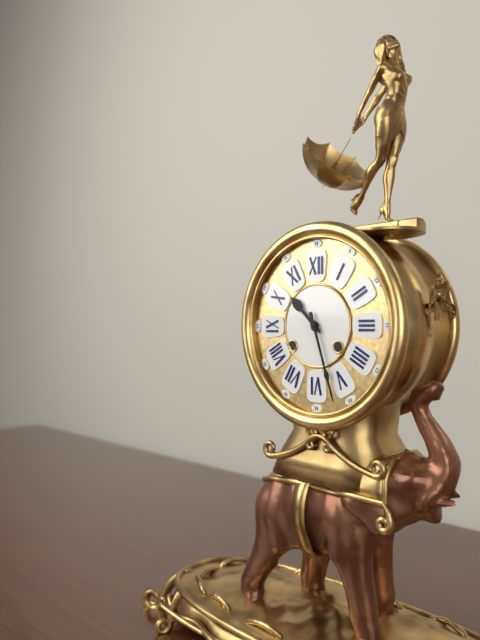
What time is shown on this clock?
10:27
